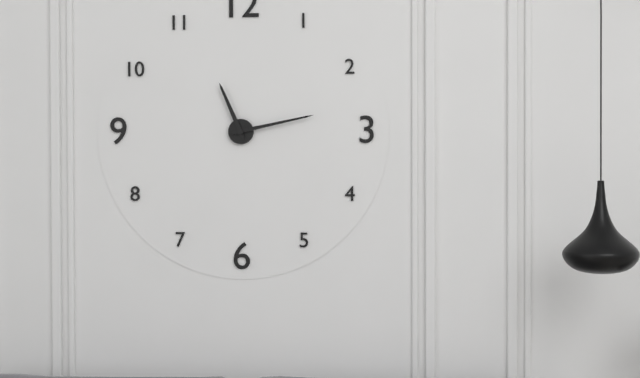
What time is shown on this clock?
11:13
